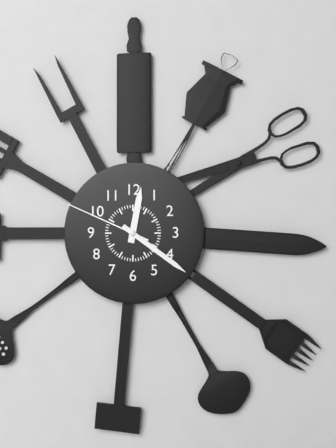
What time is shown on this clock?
12:21:49
